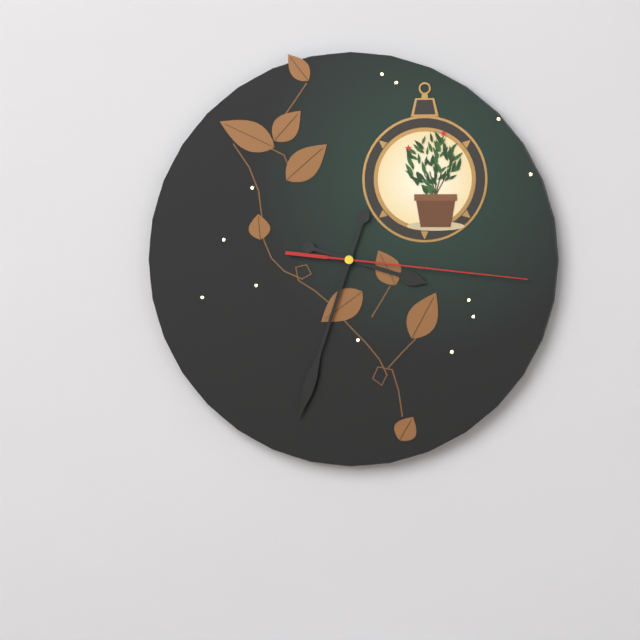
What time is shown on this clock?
3:33:16
